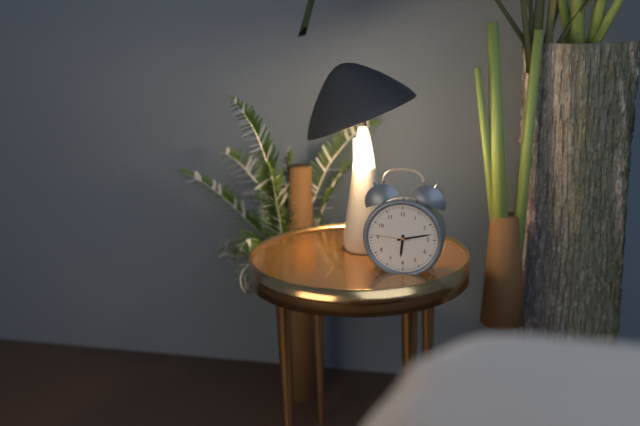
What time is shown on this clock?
6:13
